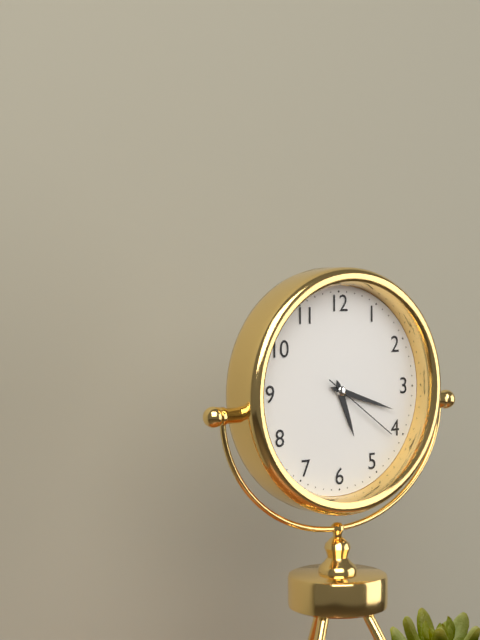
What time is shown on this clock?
5:18:21
